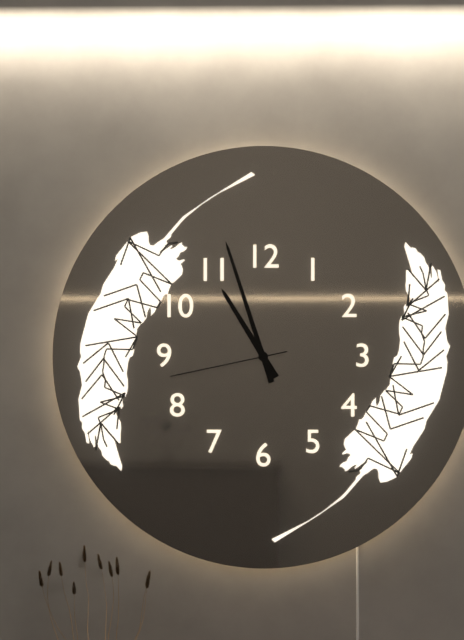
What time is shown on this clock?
10:57:43
